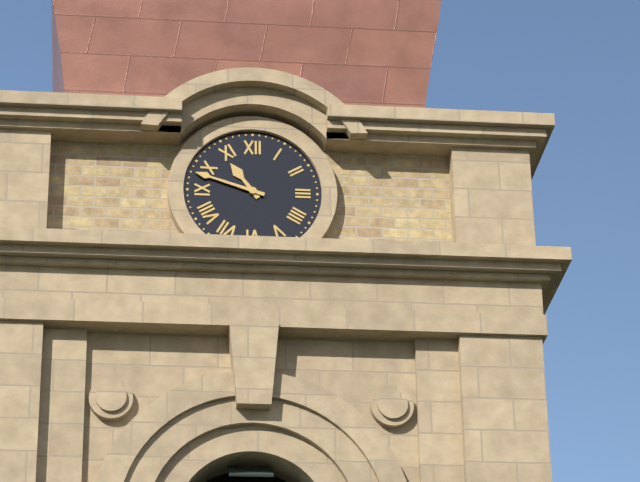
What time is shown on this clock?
10:48
